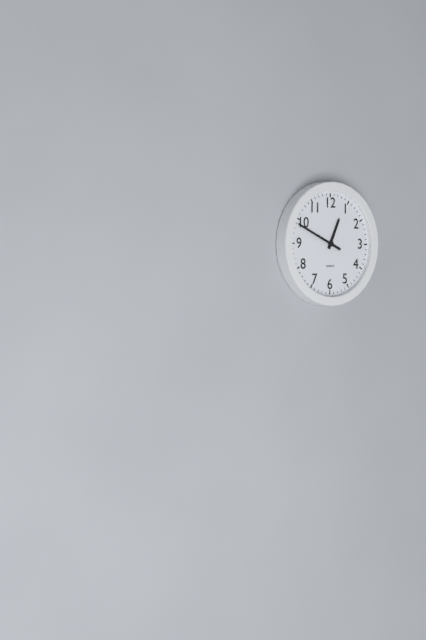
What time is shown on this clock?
12:49
